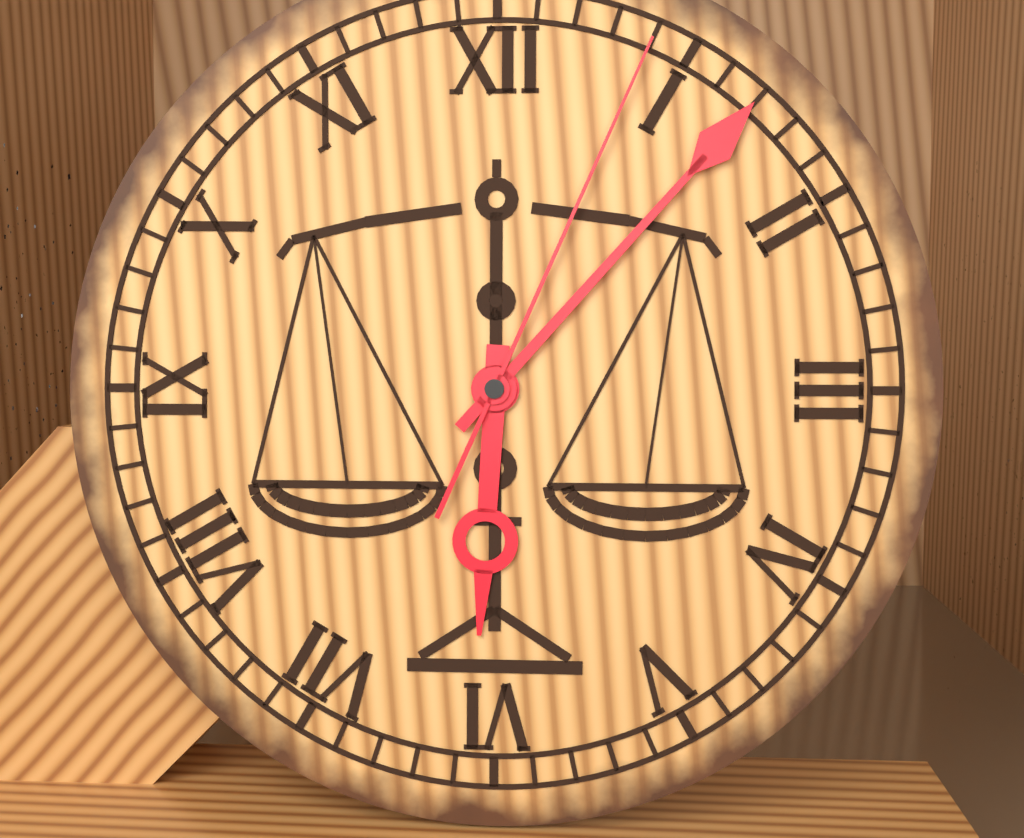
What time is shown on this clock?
6:07:04
